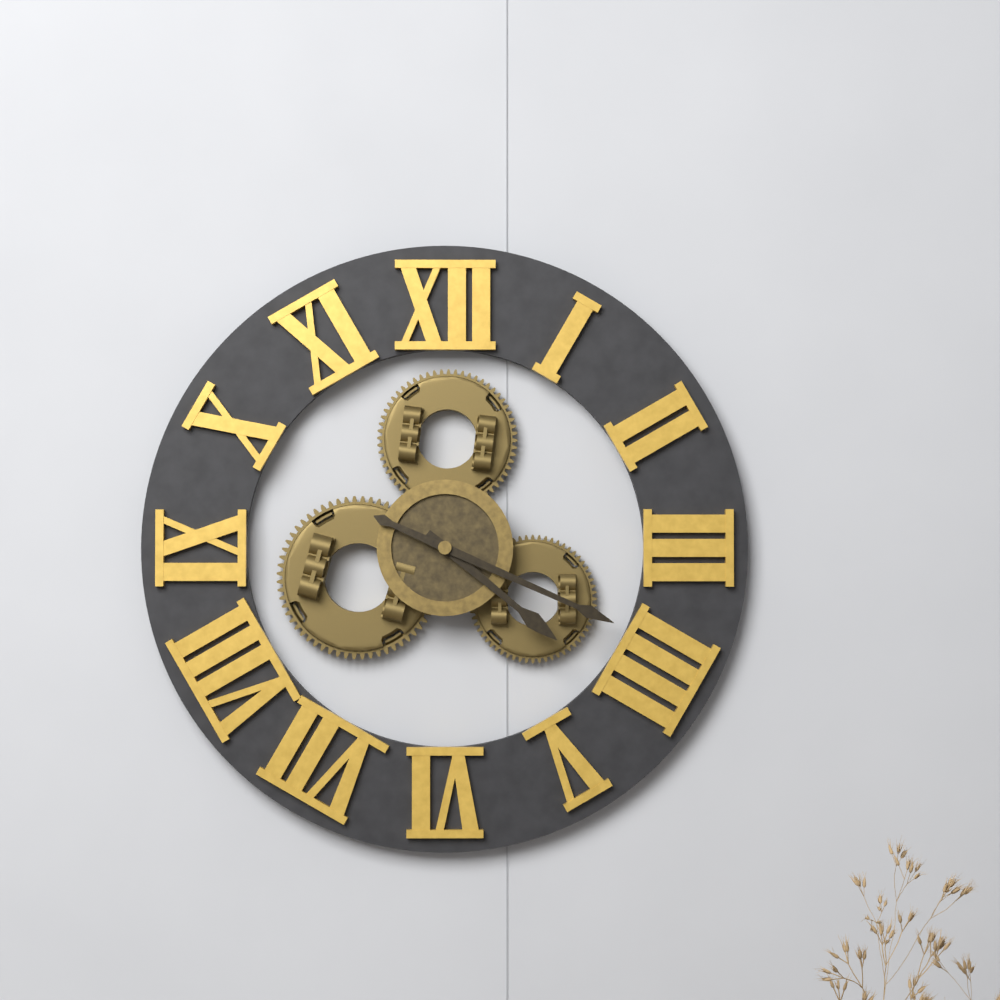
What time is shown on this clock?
4:19
